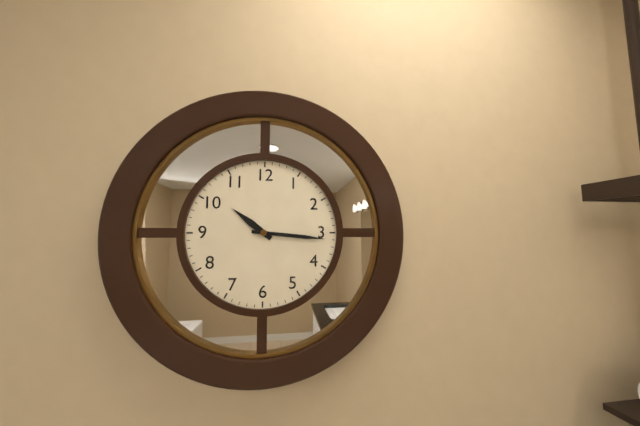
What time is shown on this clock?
10:16
